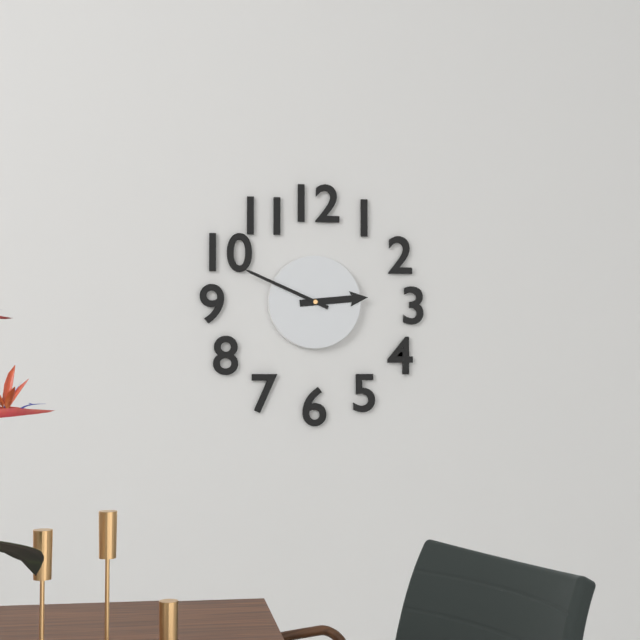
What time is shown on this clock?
2:49
